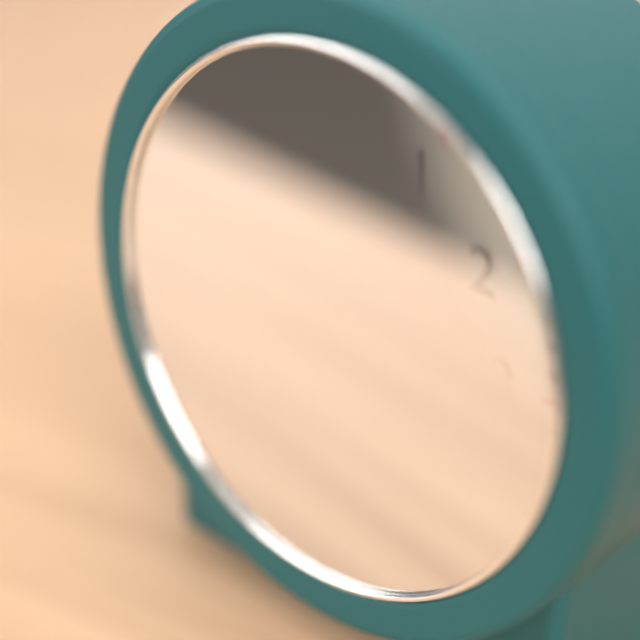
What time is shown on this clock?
10:55:57
